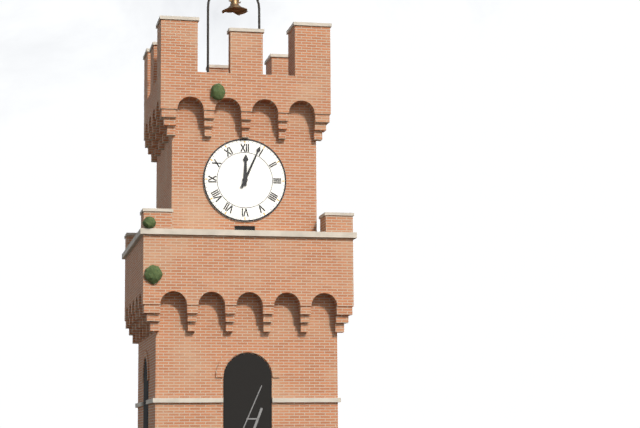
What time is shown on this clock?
12:04
